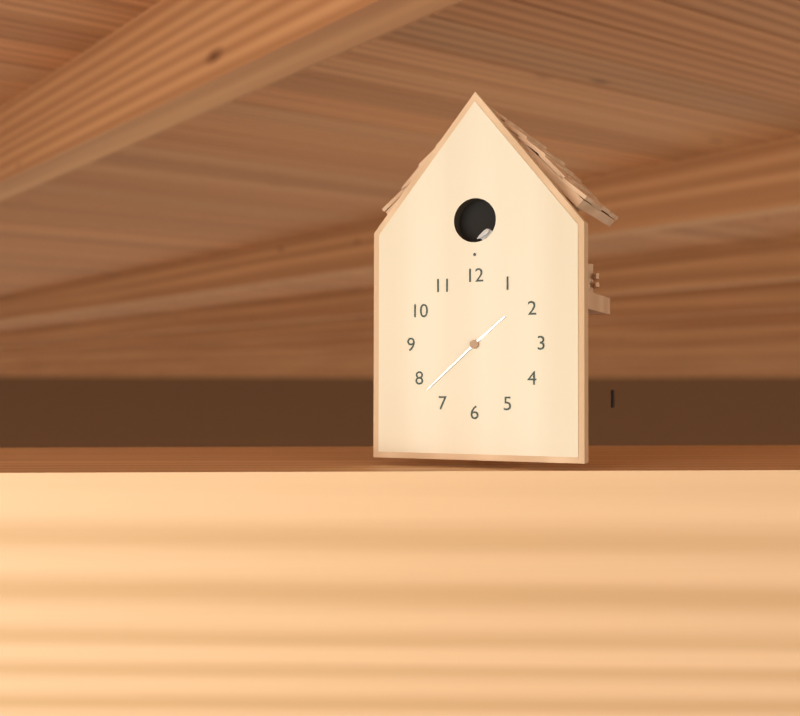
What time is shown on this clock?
1:38
